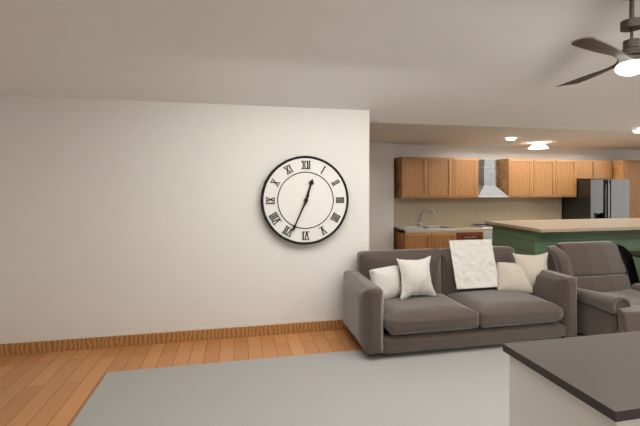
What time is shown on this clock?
12:34
